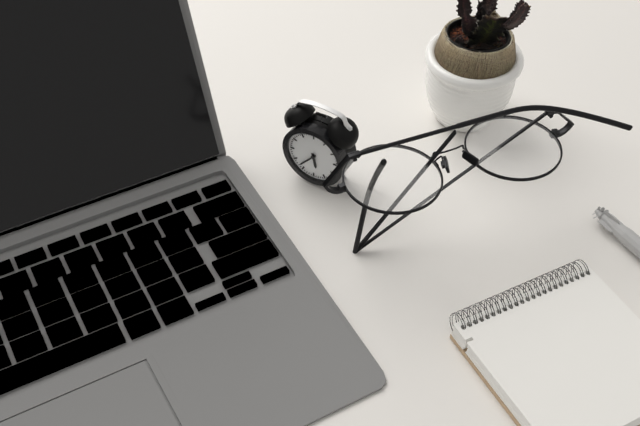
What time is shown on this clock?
5:37
